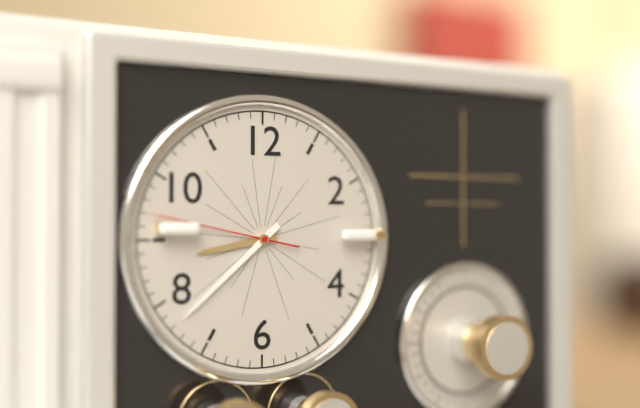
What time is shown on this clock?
8:38:47
